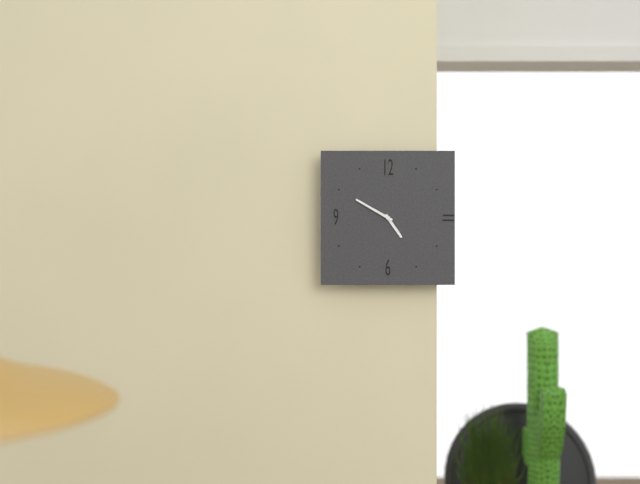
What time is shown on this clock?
4:50
